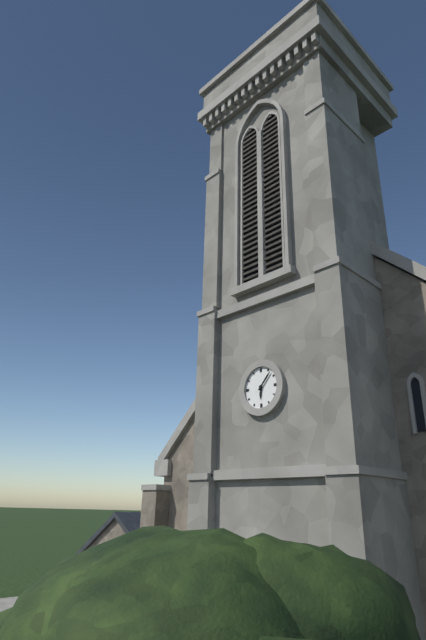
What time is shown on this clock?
6:07
